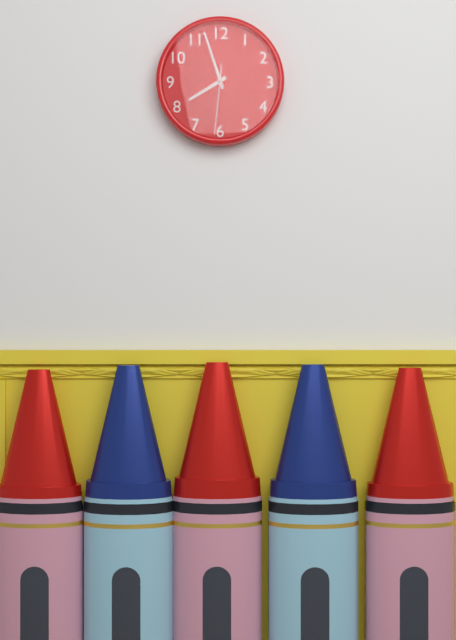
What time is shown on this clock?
7:57:31
